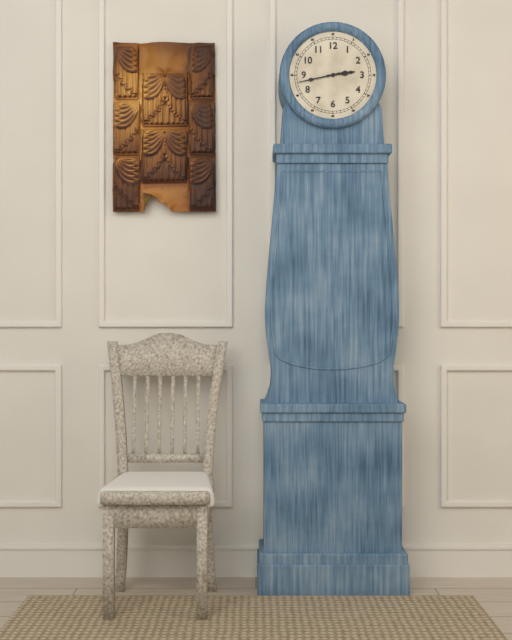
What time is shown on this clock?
2:43
